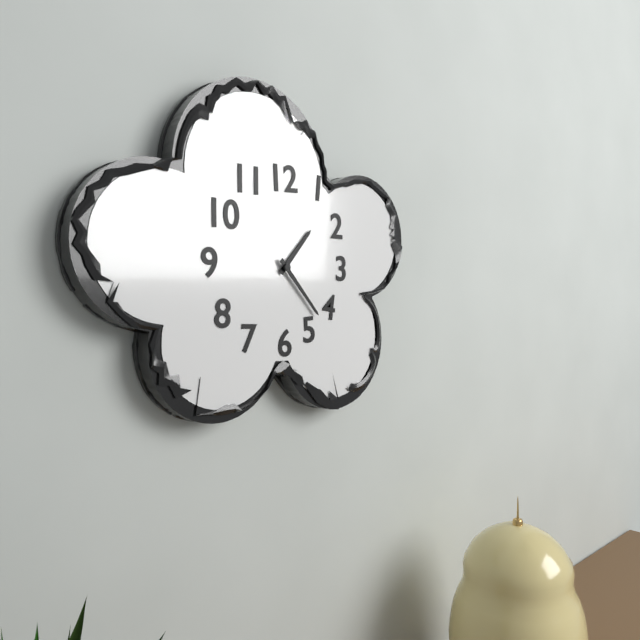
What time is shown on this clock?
1:23
